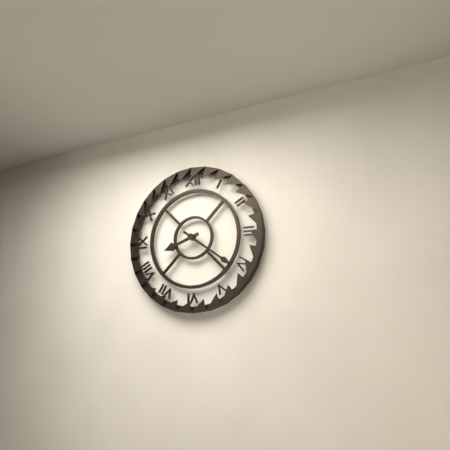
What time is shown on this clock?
8:21
